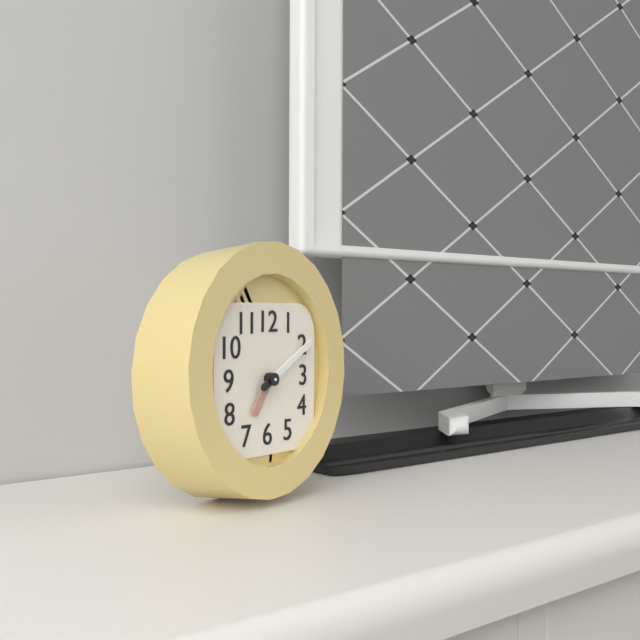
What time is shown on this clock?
7:10
